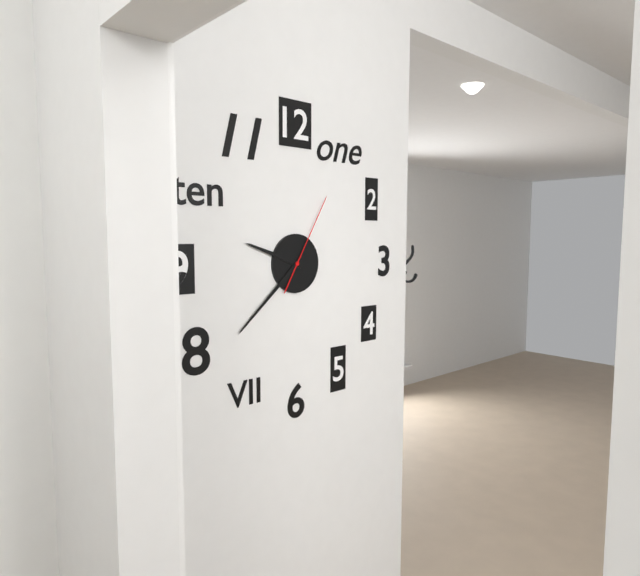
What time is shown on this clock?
9:38:05
